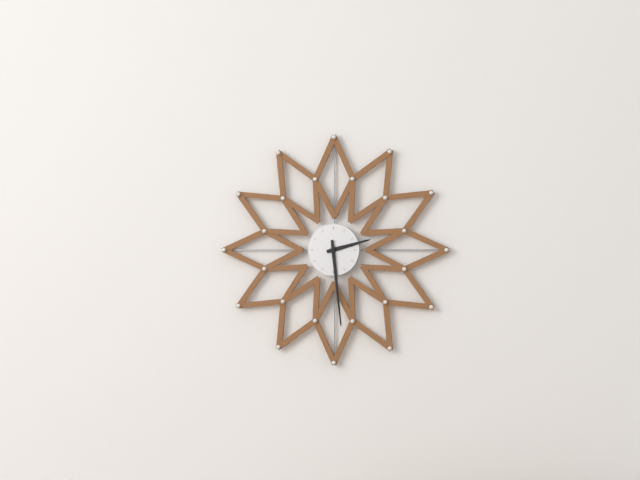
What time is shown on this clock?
2:29
